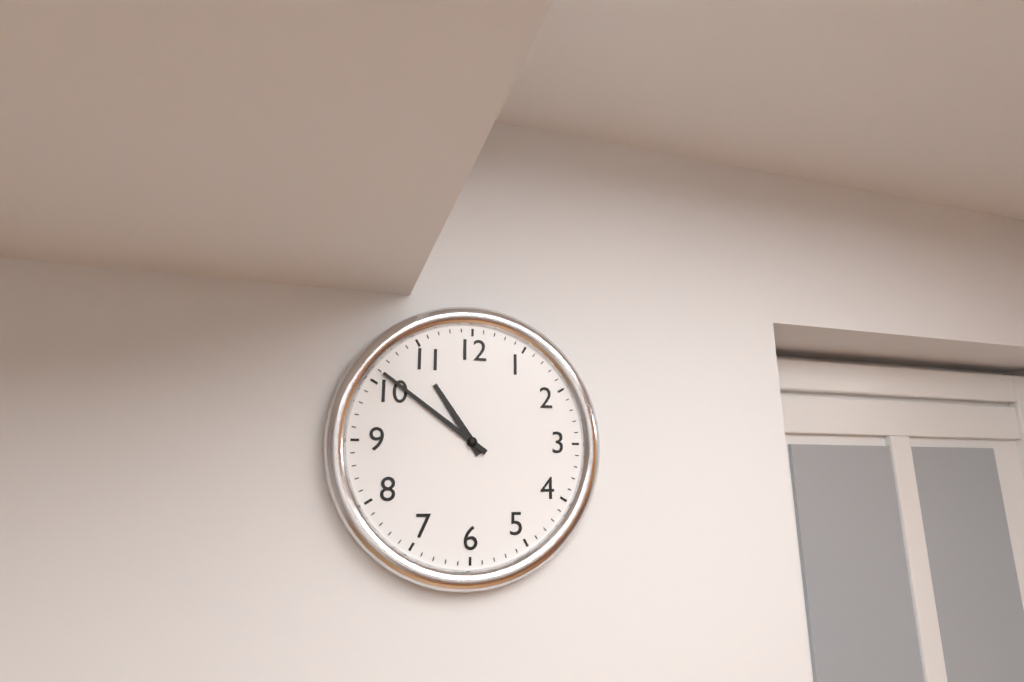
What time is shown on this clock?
10:51
